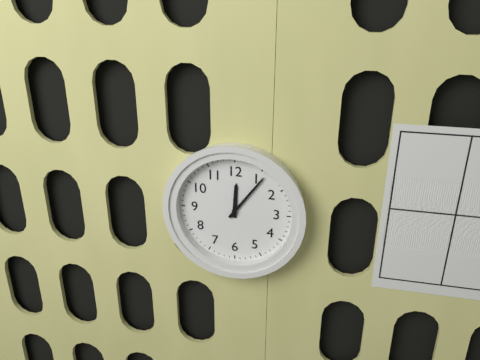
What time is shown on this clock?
12:06
